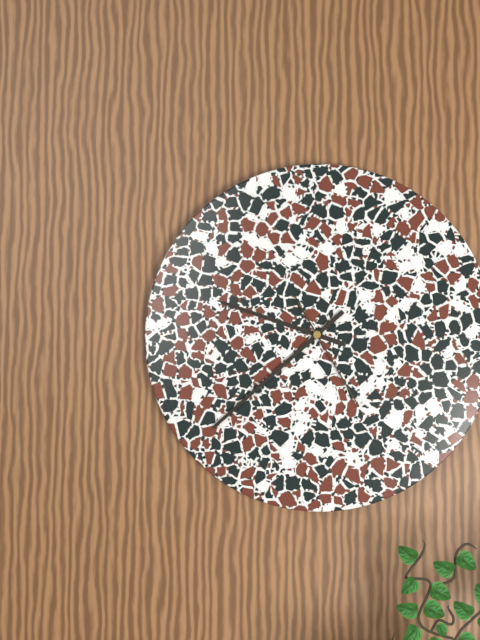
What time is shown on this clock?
9:38:25
